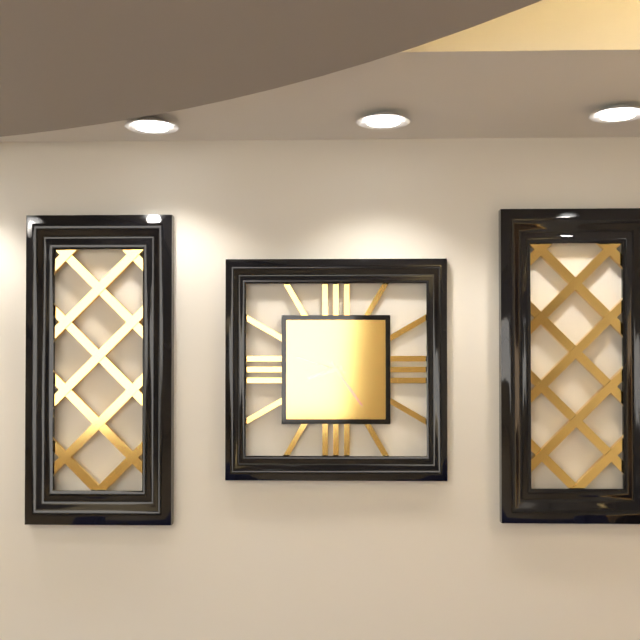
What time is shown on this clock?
8:24:48
